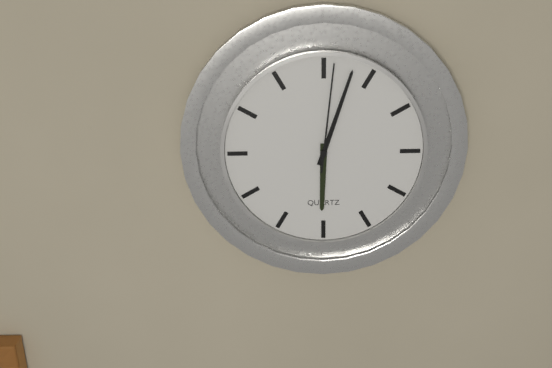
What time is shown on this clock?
6:03:01
